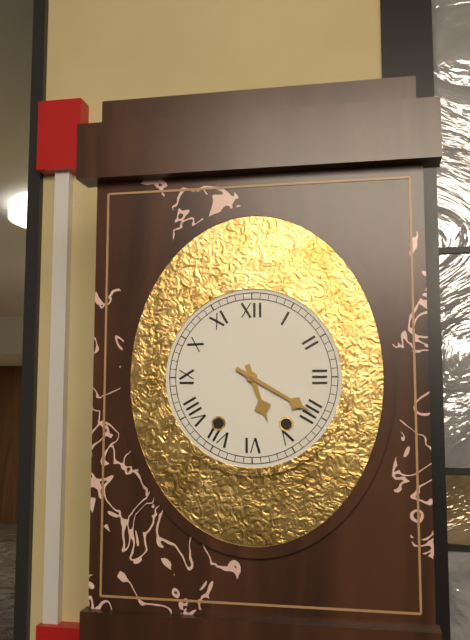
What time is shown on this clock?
5:20
